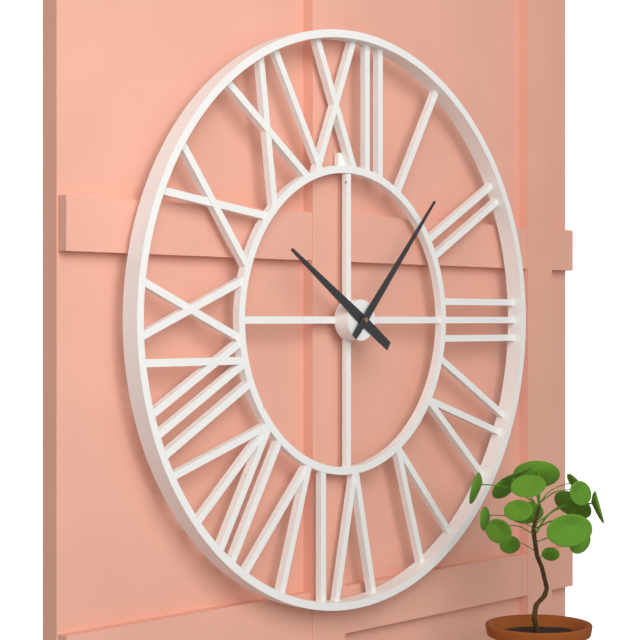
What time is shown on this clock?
10:07
